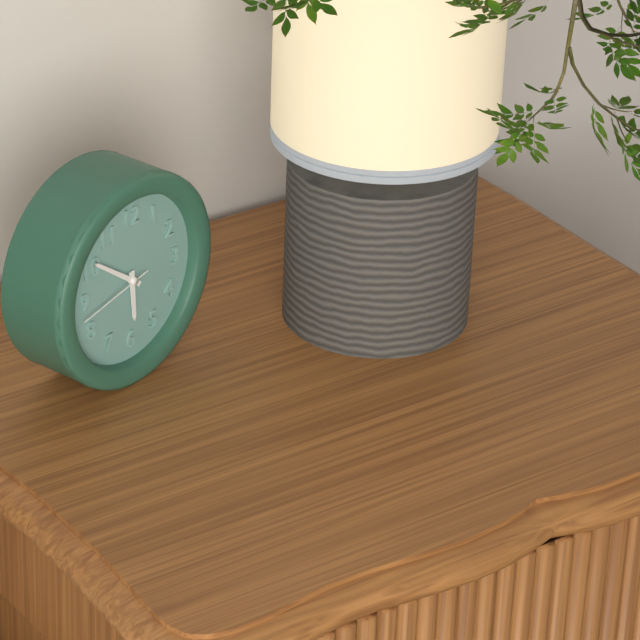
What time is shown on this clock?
5:51:43
